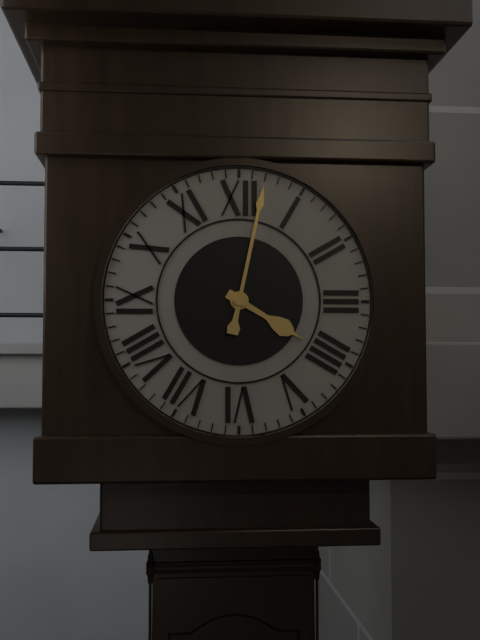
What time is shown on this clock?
4:02
